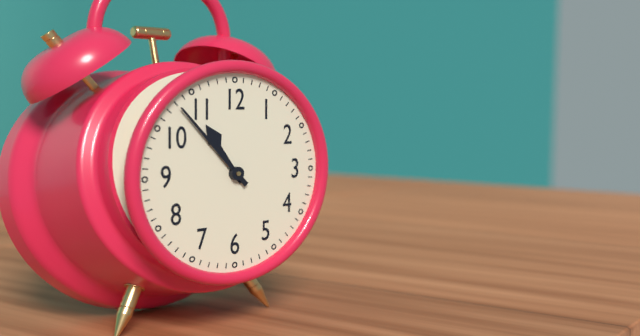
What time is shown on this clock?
10:53
